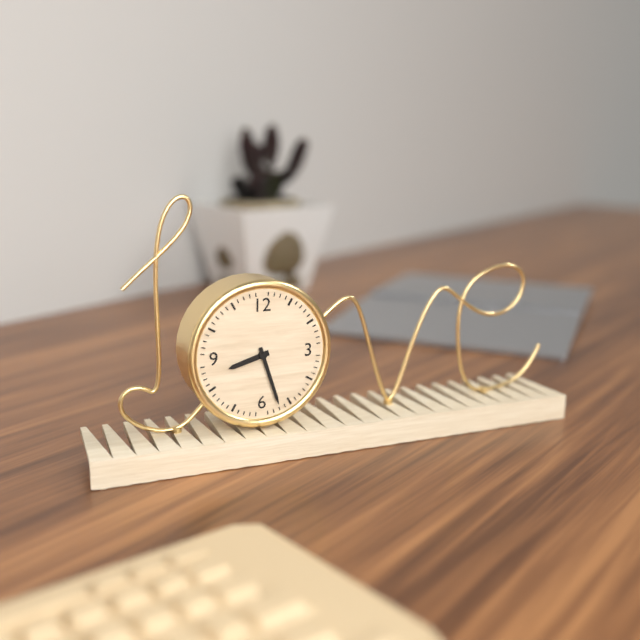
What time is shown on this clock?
8:27
